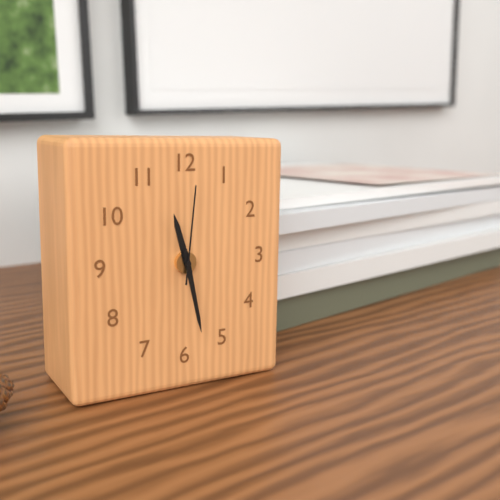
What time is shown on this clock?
11:28:01
